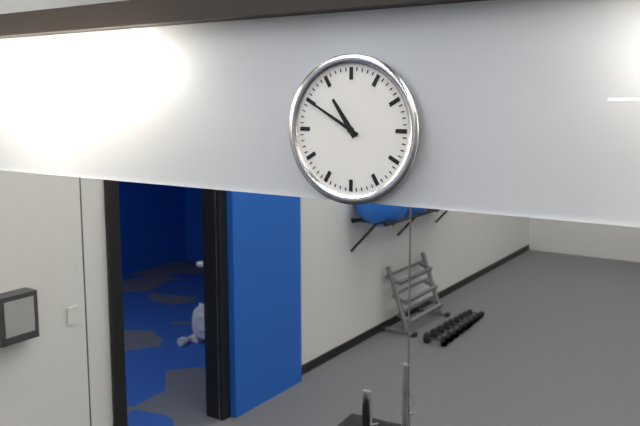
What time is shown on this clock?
10:50
